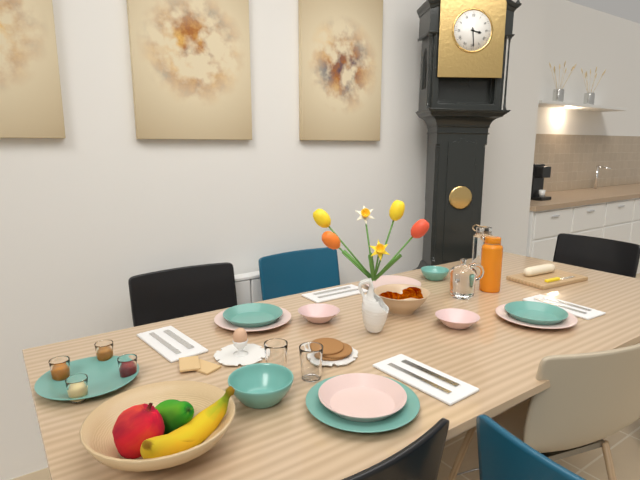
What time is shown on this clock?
3:29
